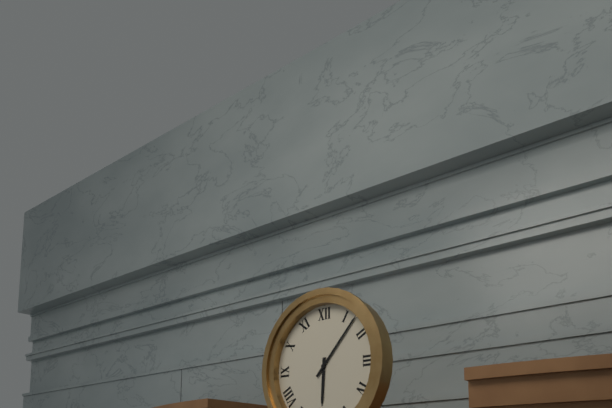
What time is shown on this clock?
6:07
